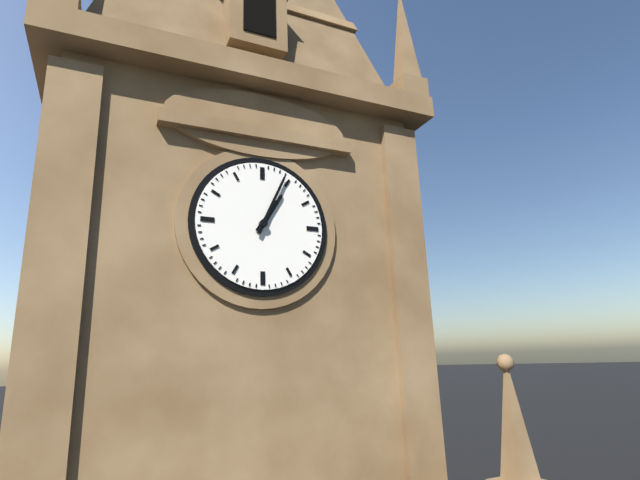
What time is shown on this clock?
1:04
